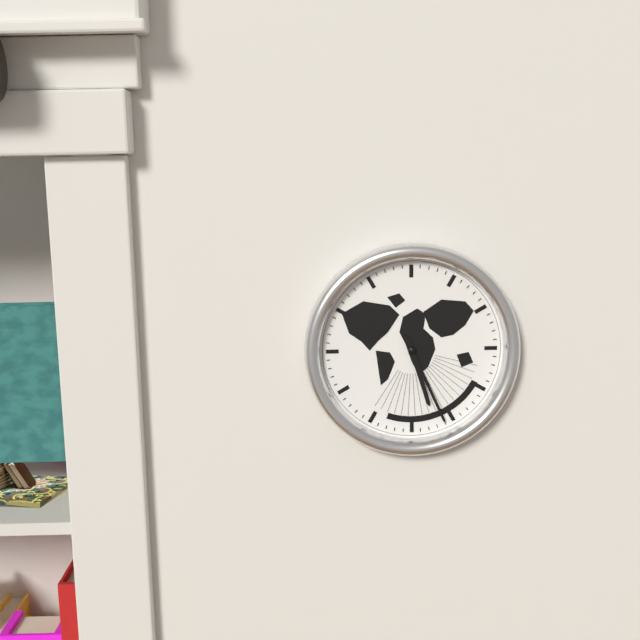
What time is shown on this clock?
5:26
